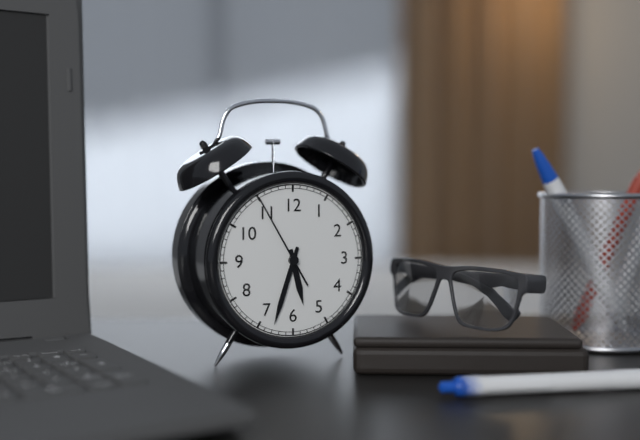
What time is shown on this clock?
5:33:55
